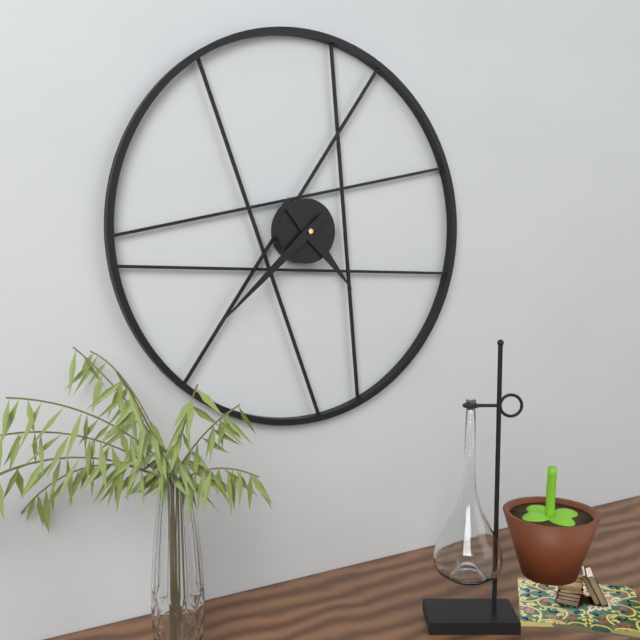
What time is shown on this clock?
4:38
